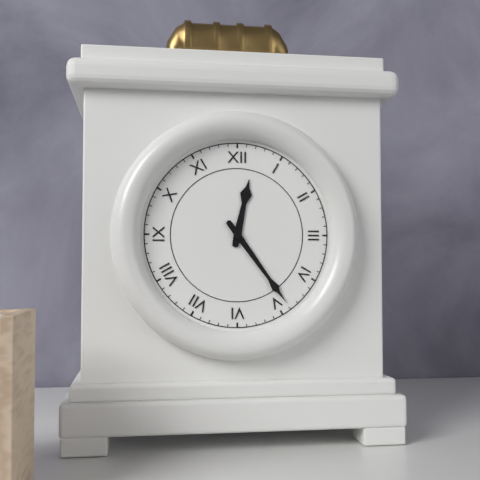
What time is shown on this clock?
12:24
